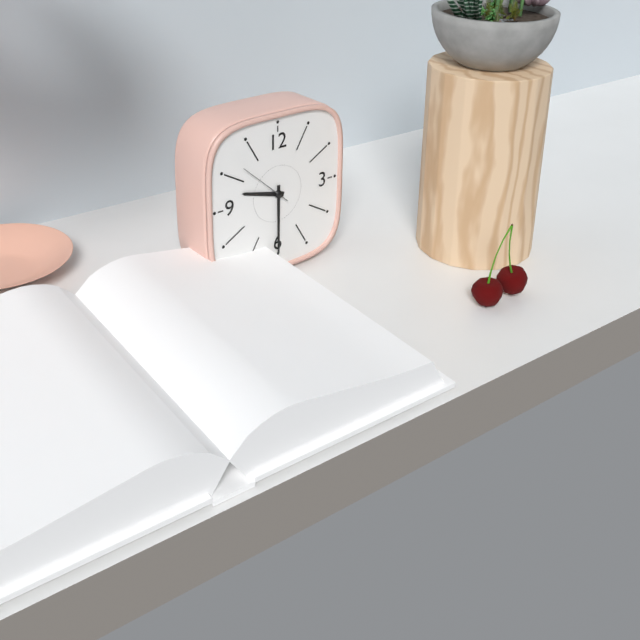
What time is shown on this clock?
9:30:52
